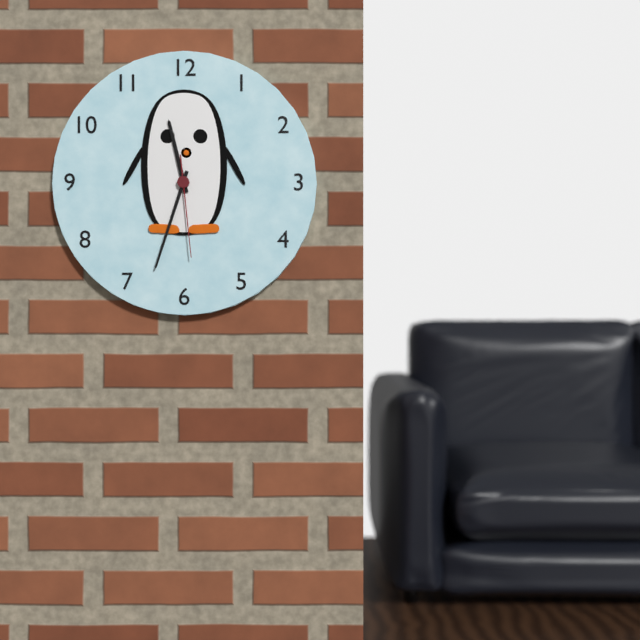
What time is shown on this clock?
11:33:29
